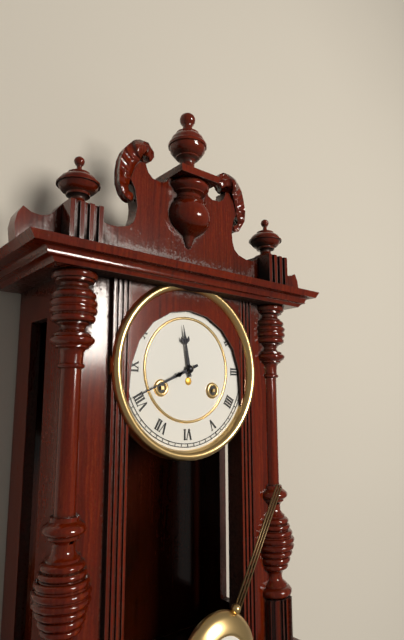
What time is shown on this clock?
11:41
